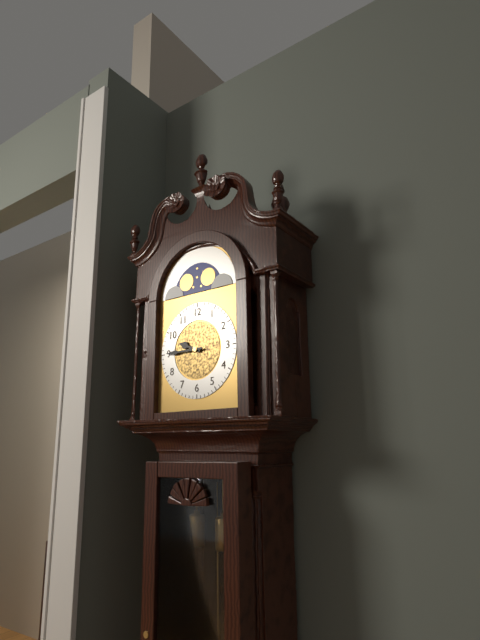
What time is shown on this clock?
9:45
